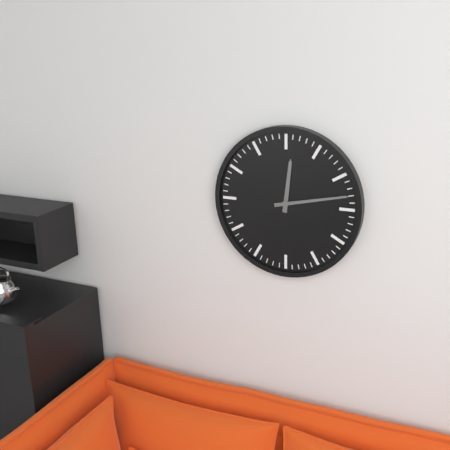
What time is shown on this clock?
12:13
